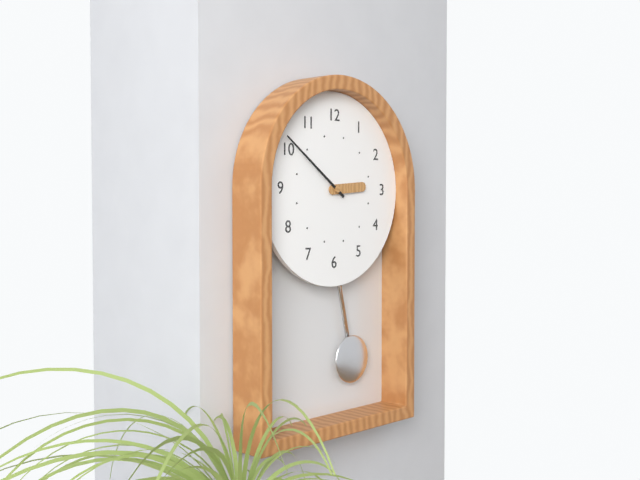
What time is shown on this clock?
2:51
